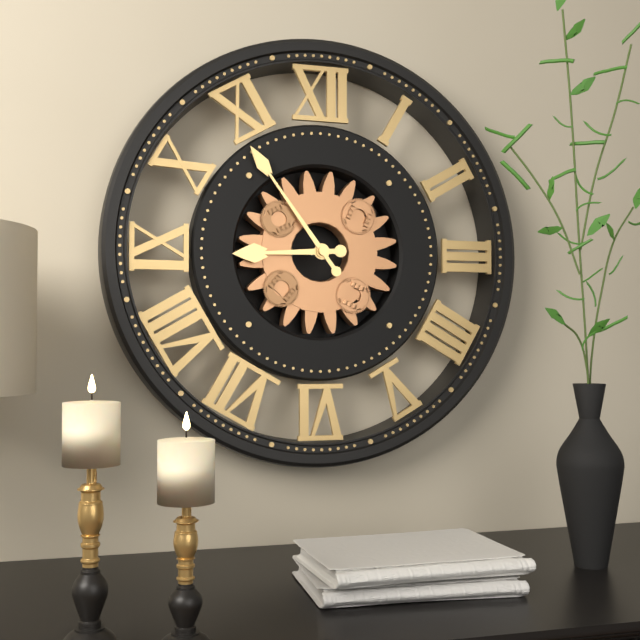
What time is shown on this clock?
8:54
